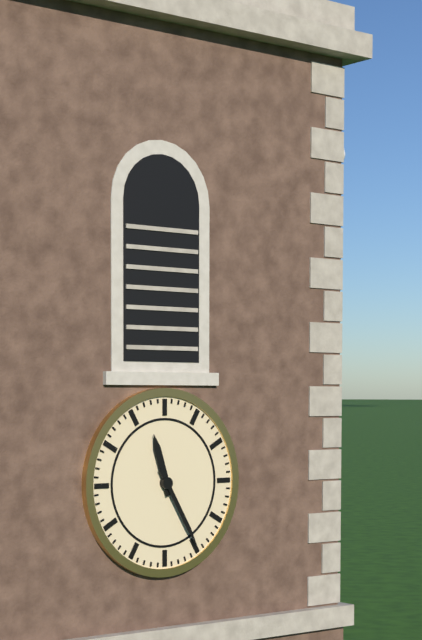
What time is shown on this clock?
11:25
